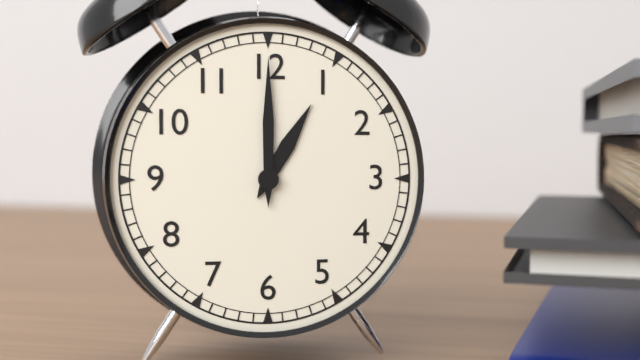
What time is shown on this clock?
1:00
